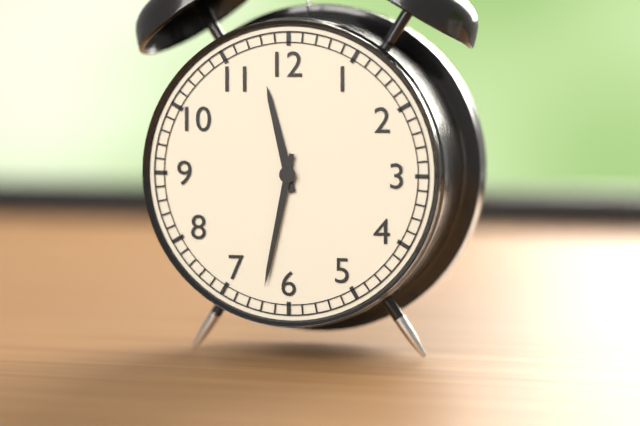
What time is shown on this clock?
11:32
